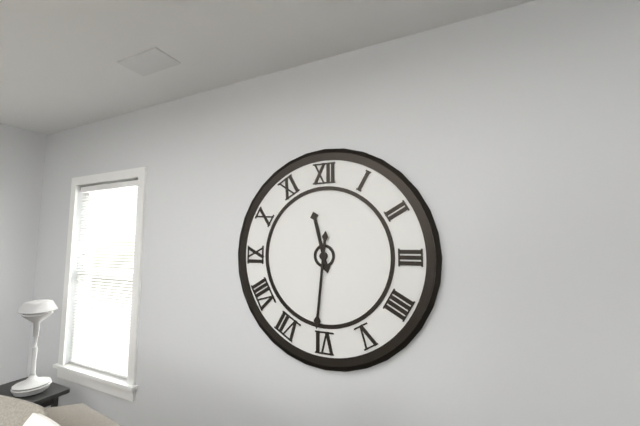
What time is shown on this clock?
11:31
